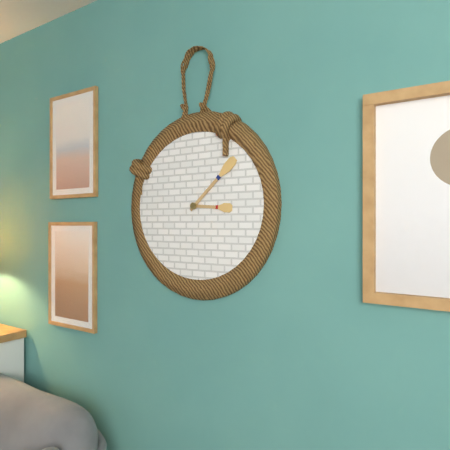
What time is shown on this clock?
3:08
